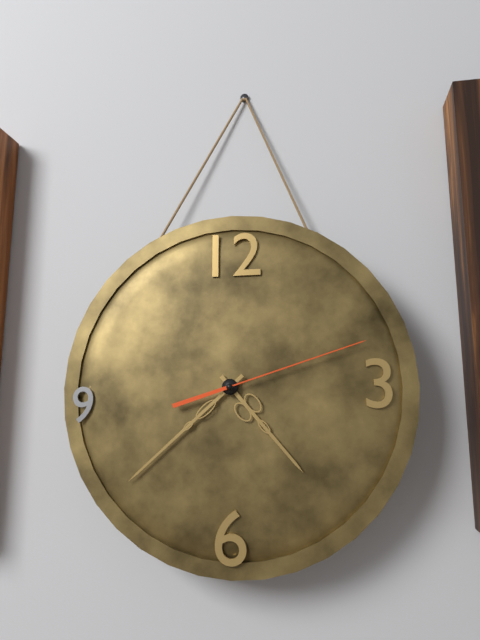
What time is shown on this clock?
4:38:12
